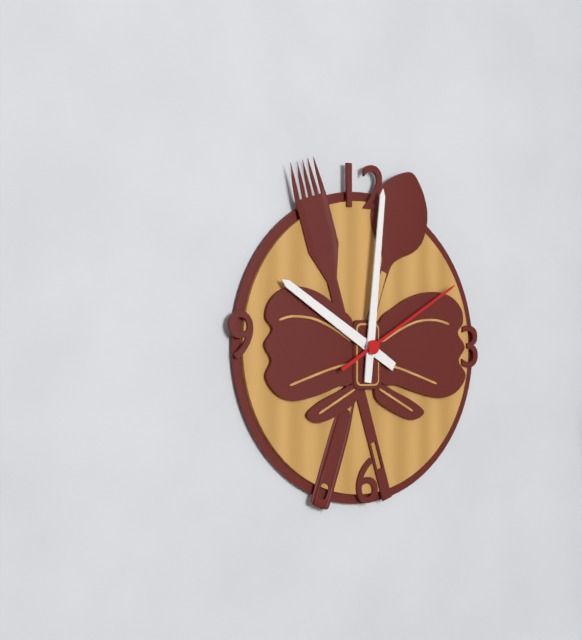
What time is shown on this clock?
10:01:10
